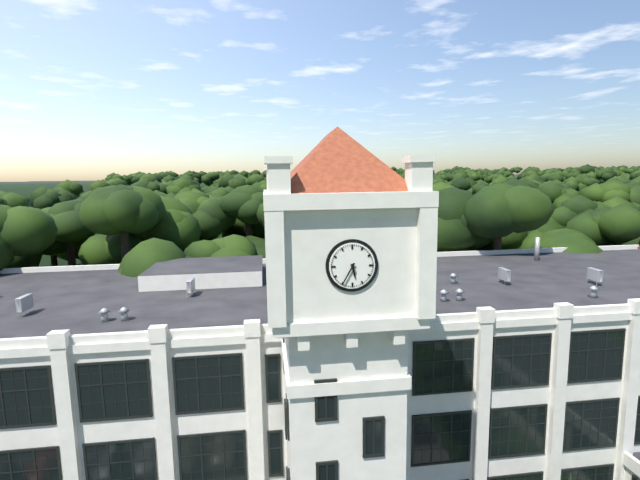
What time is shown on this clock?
5:35
